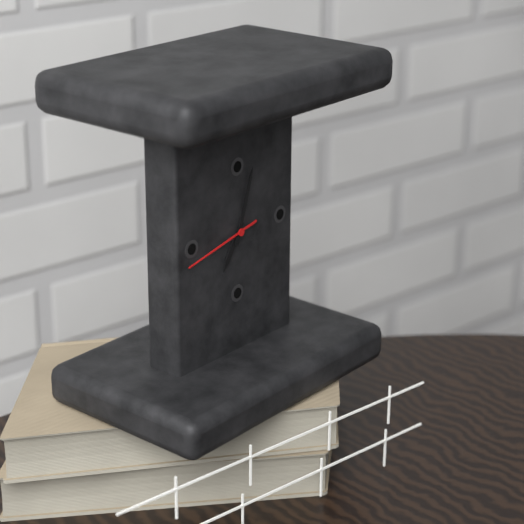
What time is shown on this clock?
7:03:43
